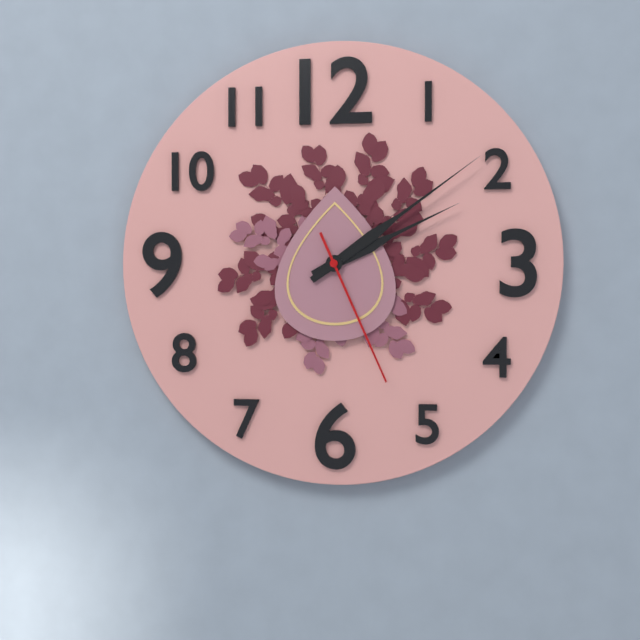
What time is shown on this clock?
2:09:26
